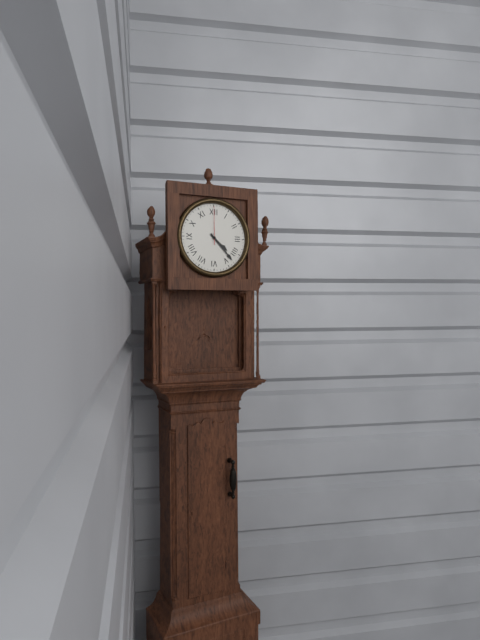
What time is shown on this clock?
4:23
